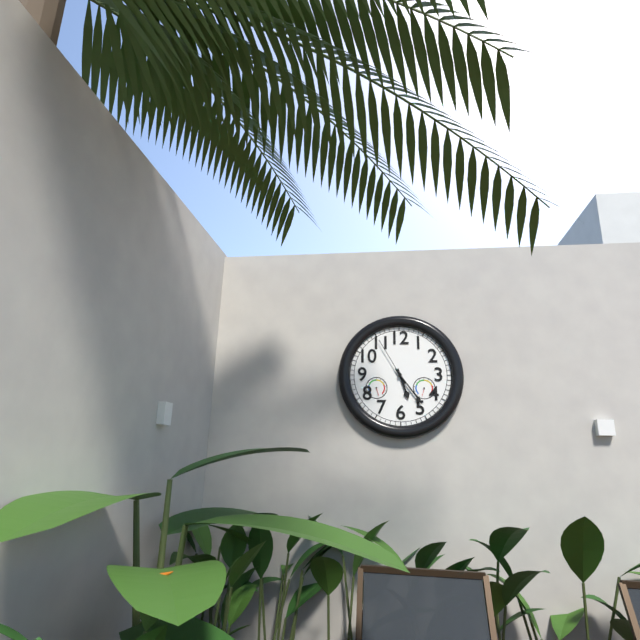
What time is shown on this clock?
5:24:55
